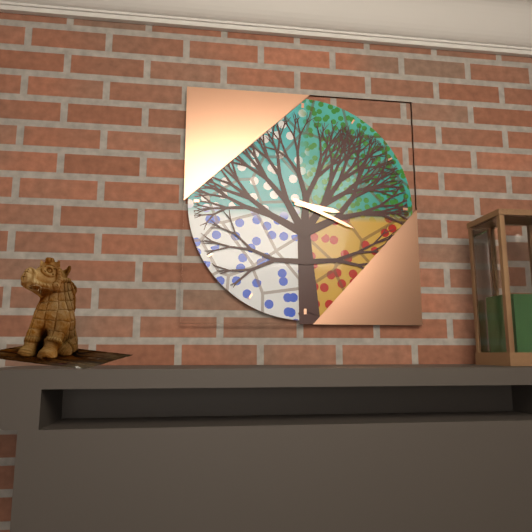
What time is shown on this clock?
3:19
